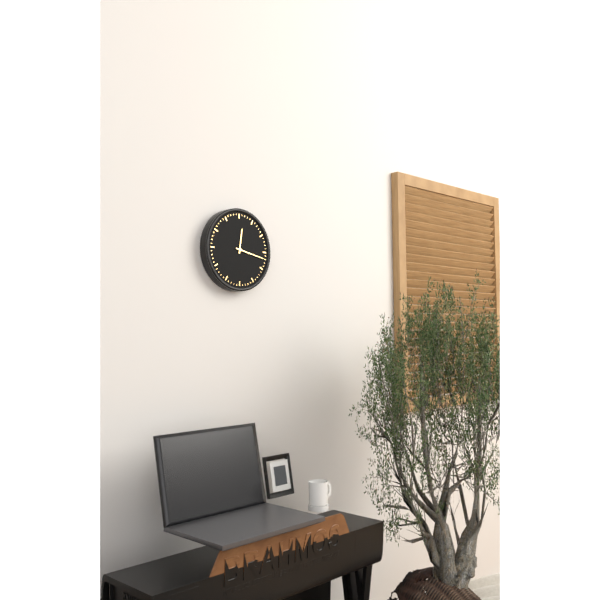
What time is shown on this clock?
12:17
